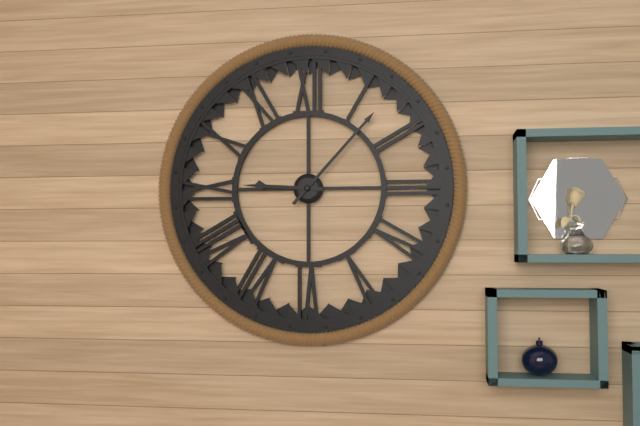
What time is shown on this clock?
9:07
